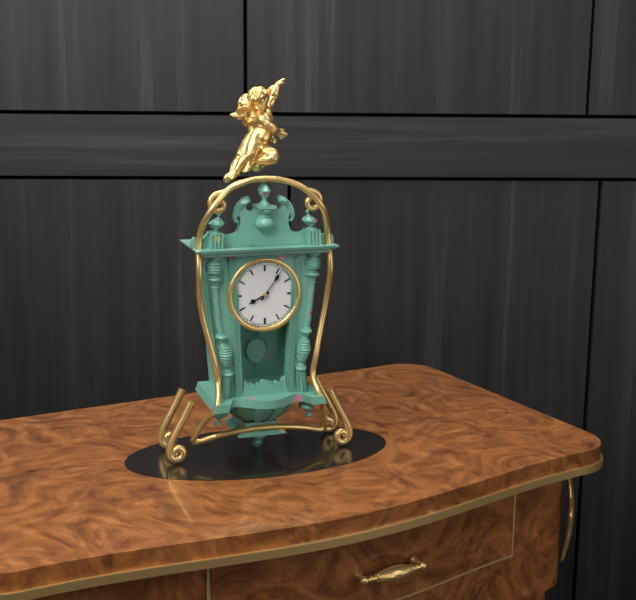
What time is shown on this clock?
8:06
